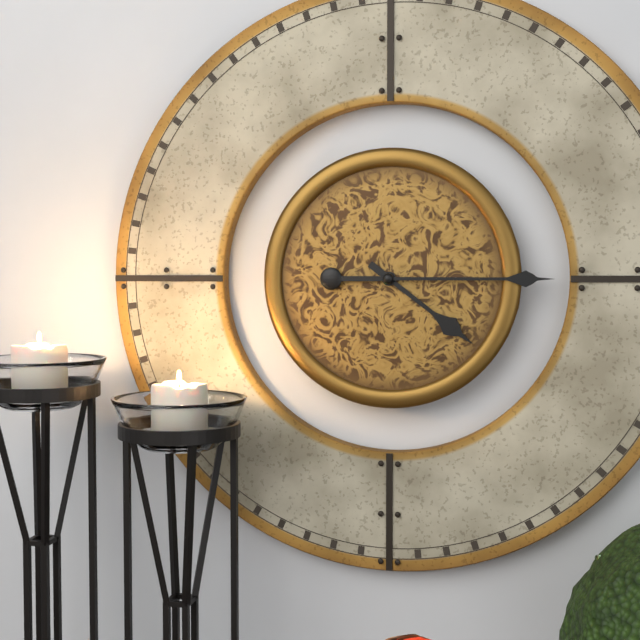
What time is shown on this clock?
4:15
